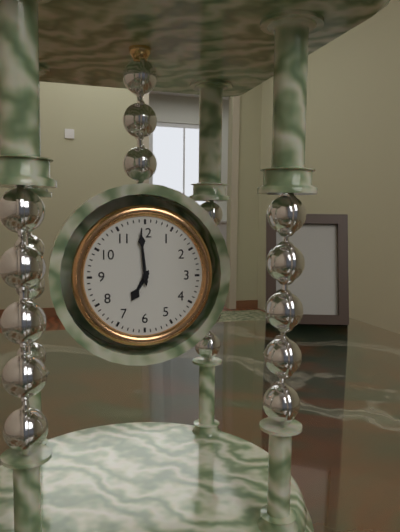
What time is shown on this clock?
6:59
